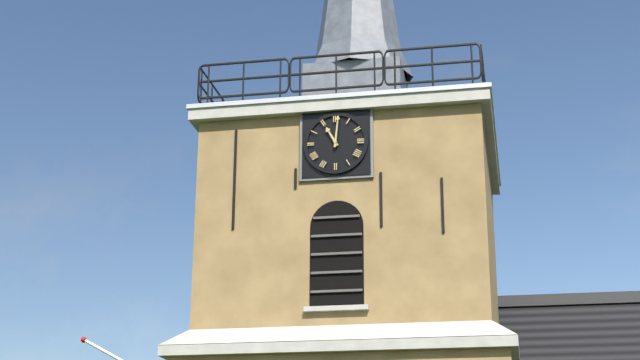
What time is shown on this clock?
11:01
